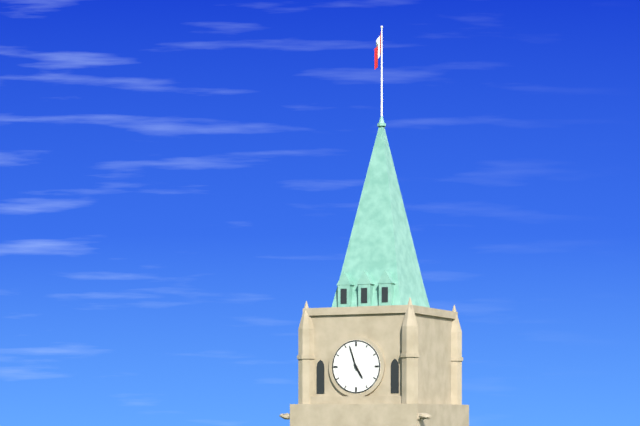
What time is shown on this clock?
4:57
